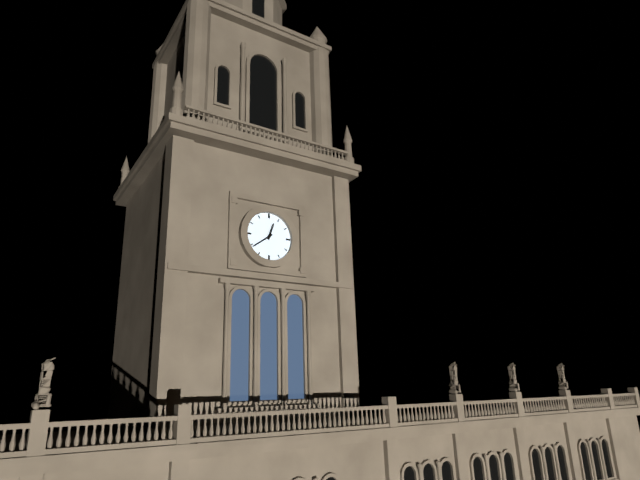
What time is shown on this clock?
12:39
